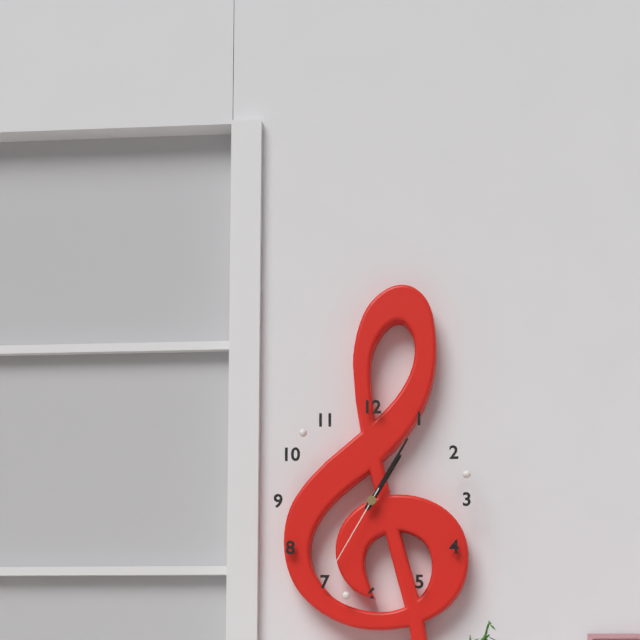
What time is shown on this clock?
1:05:35
